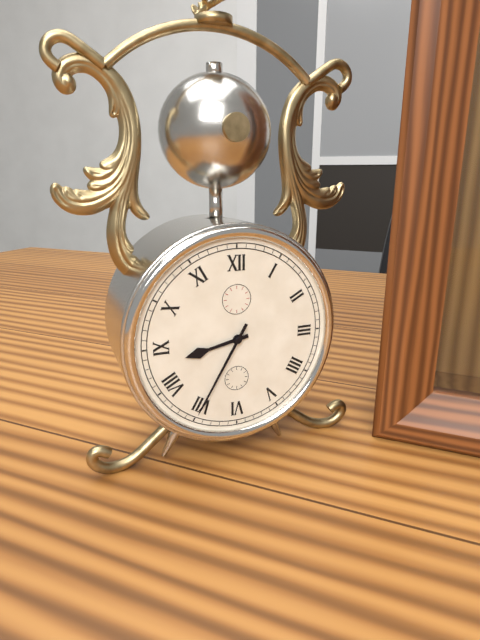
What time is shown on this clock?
8:35
